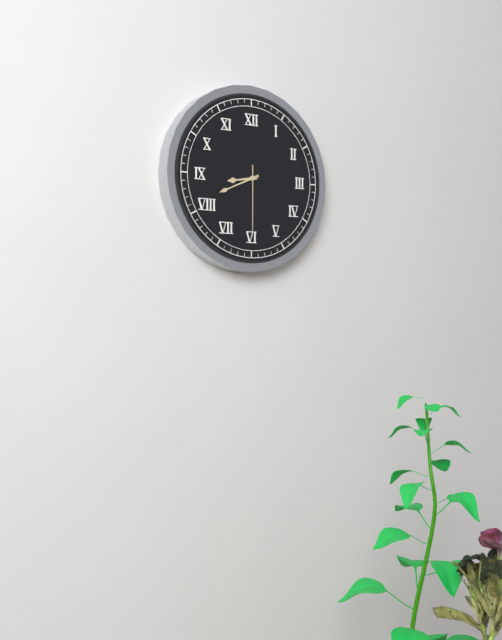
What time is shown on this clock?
8:41:30
